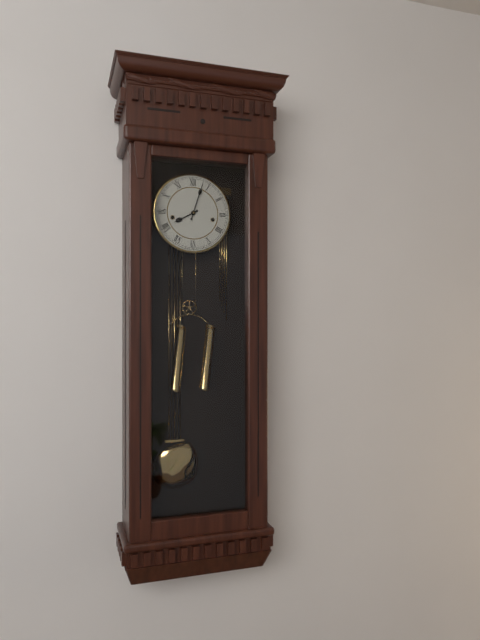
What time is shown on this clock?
8:03
